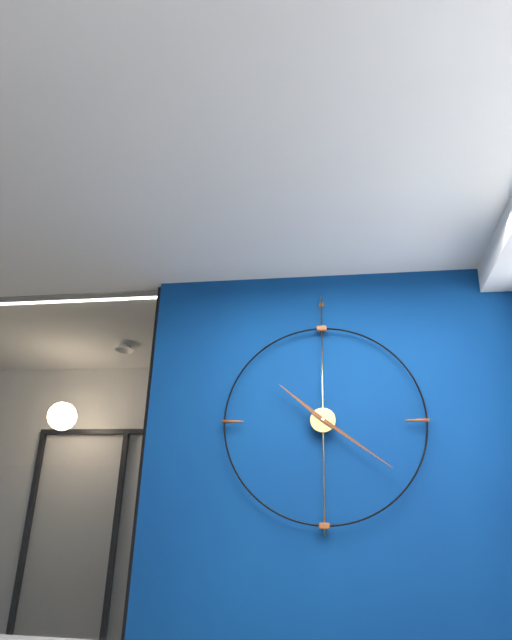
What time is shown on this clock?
10:21
